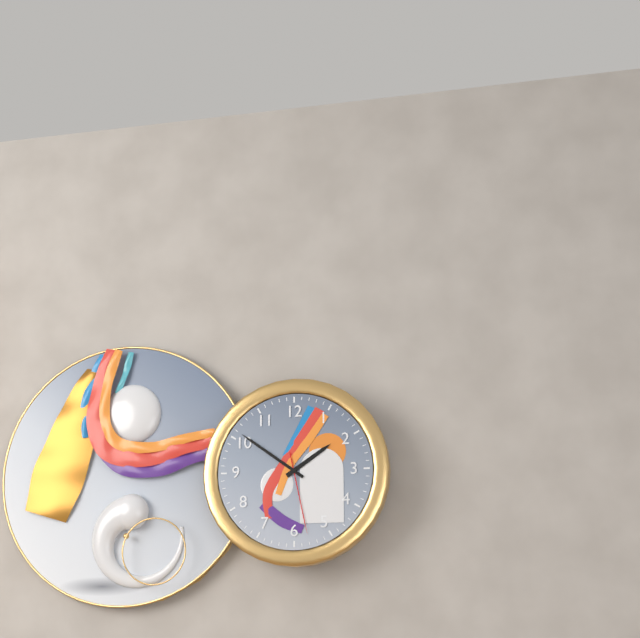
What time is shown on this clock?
1:51:28
